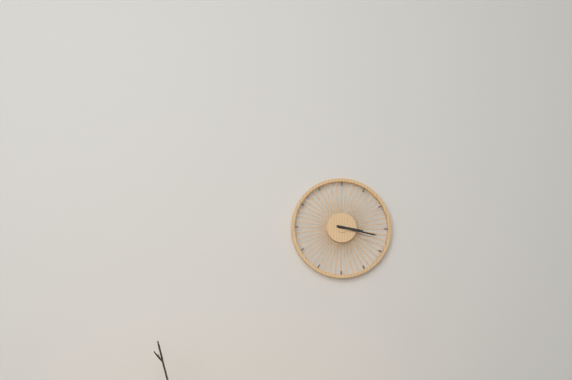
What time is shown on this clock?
3:17
